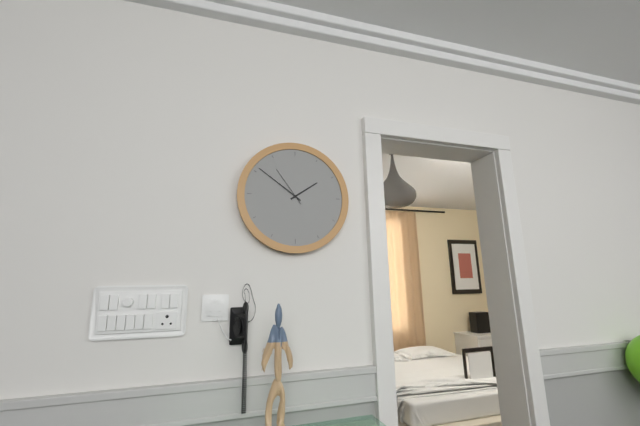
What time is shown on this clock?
1:51
